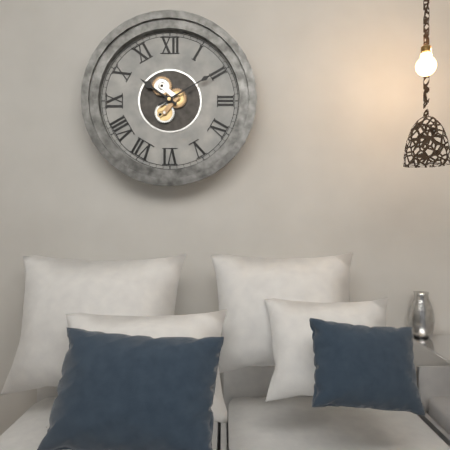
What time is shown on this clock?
10:10
